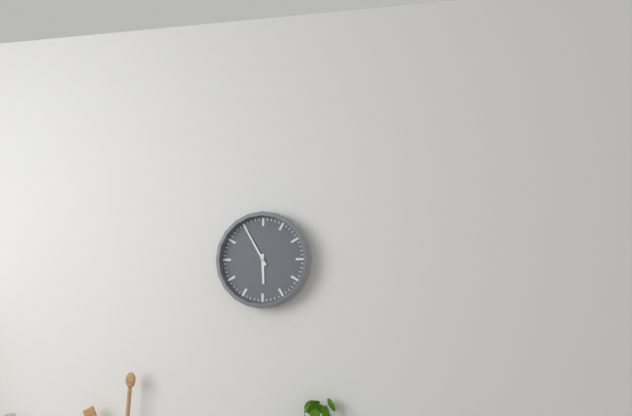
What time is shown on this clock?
5:55
